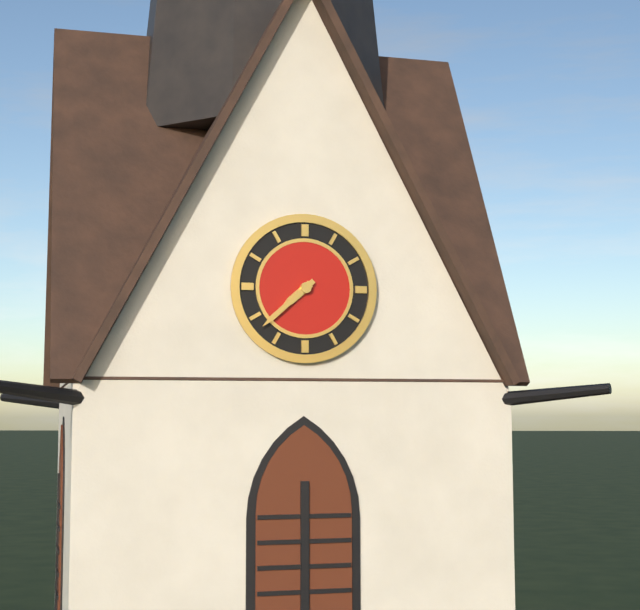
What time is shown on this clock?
7:38
